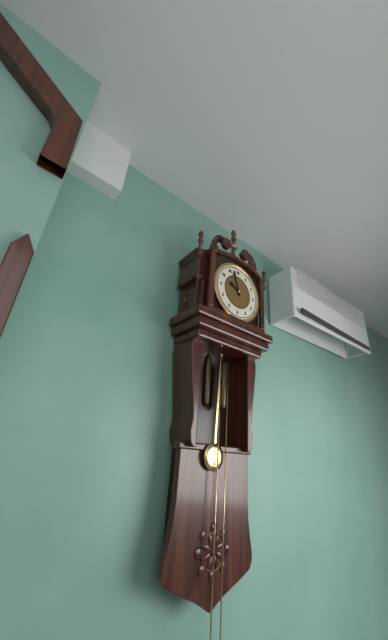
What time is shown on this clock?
9:57
